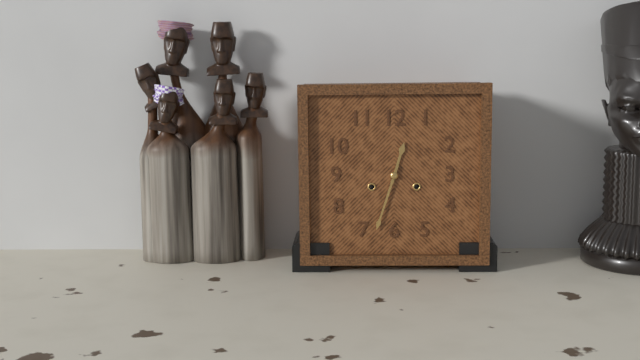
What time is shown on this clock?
12:33
